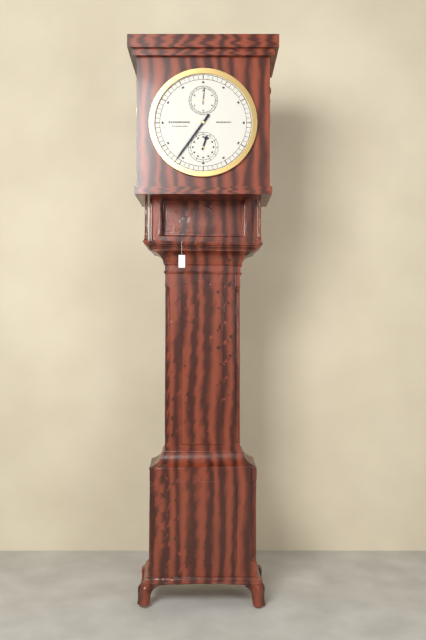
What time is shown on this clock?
12:36
